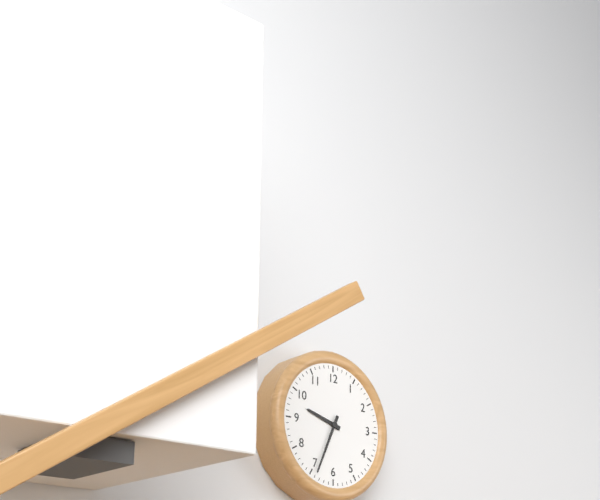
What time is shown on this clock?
9:34
